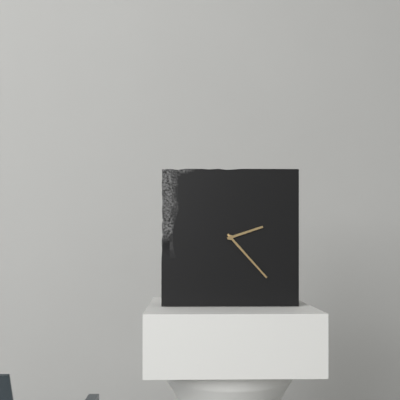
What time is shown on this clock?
2:23
